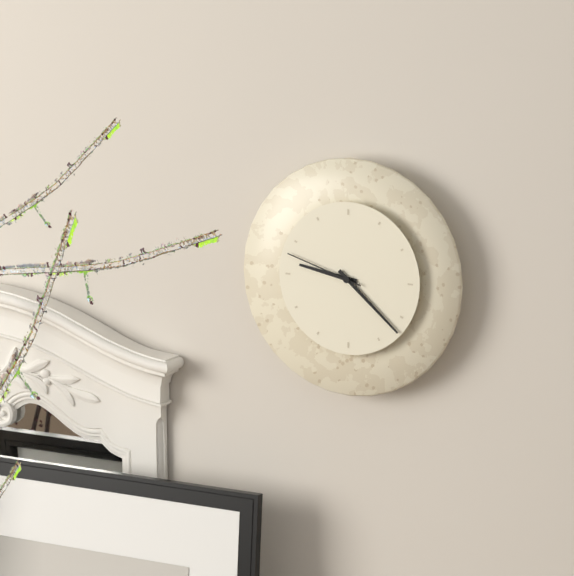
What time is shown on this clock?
9:22:48
